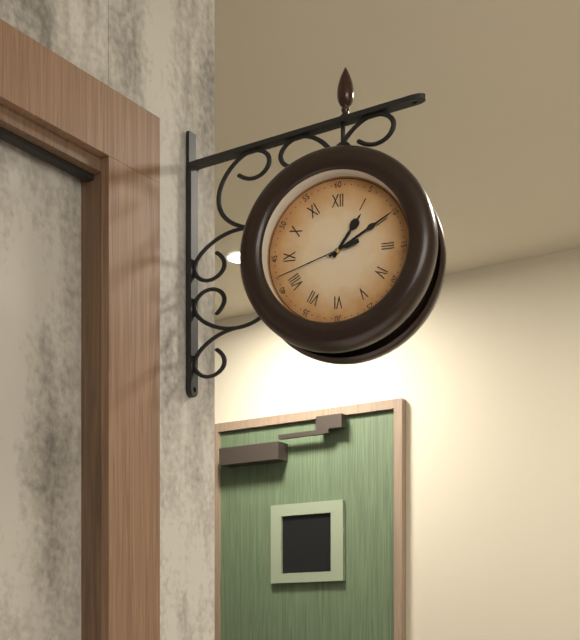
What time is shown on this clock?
1:10:42
